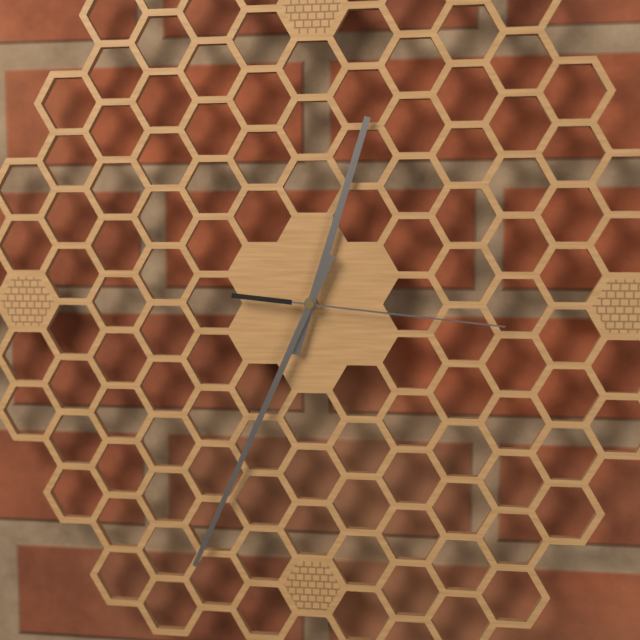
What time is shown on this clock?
12:34:16
